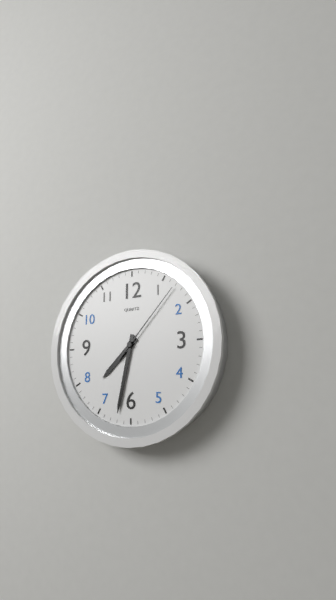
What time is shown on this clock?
7:32:07
